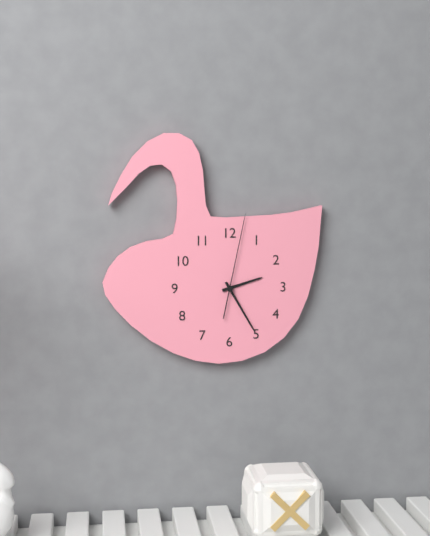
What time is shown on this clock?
2:25:02
